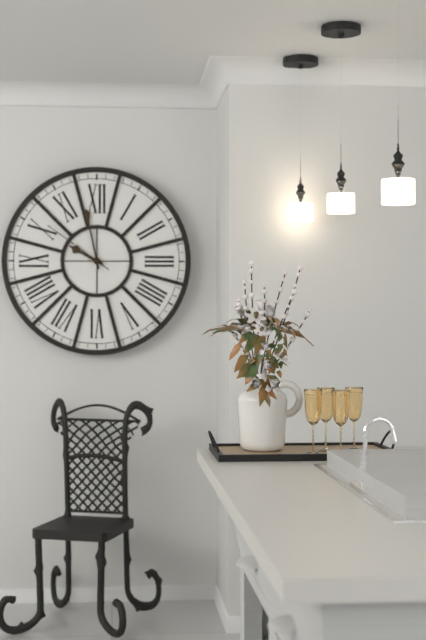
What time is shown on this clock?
9:58:51
